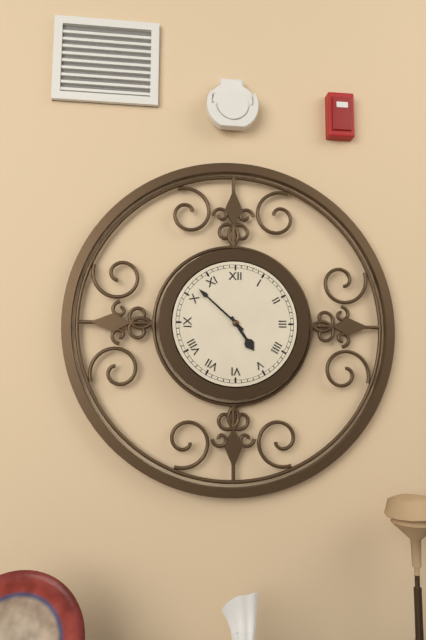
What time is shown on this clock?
4:52
